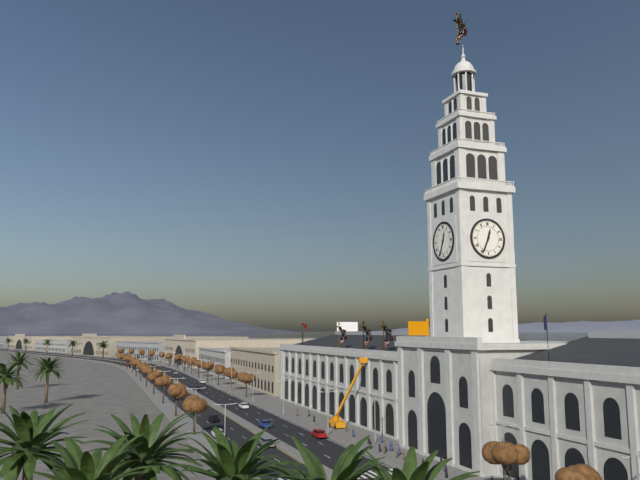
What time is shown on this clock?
12:34
